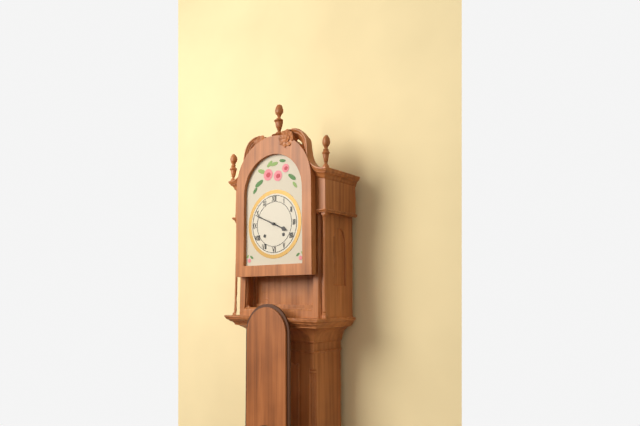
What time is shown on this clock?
3:49
